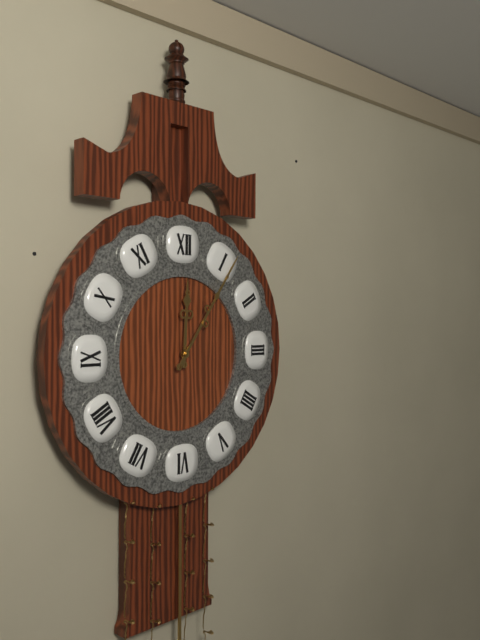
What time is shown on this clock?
12:06
